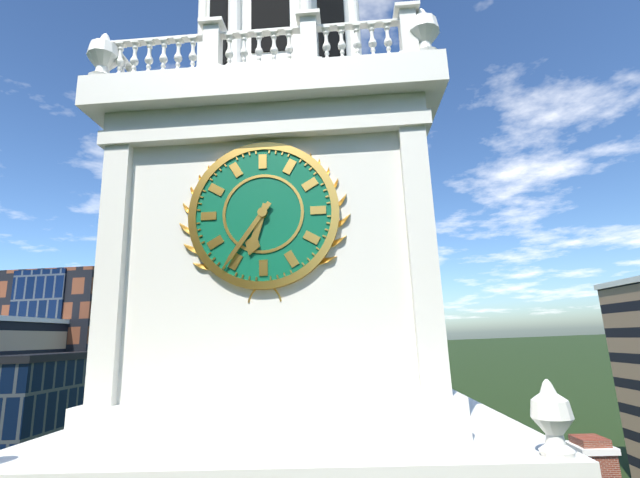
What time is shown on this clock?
6:36
